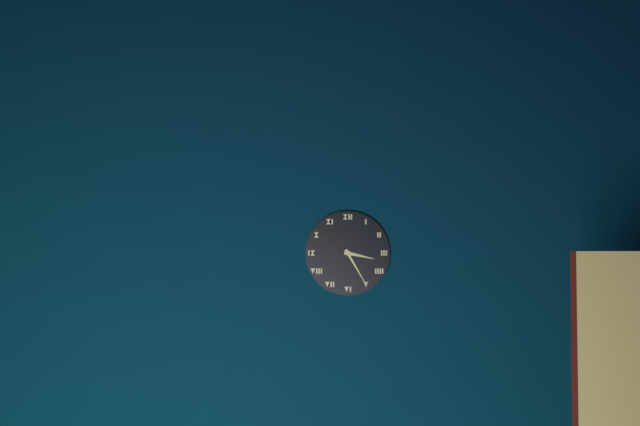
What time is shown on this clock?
3:25
